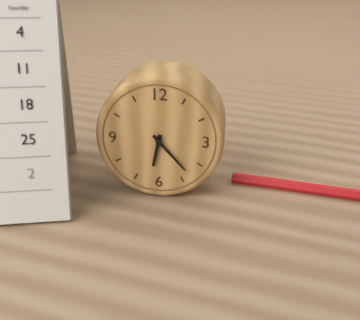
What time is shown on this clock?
6:23
